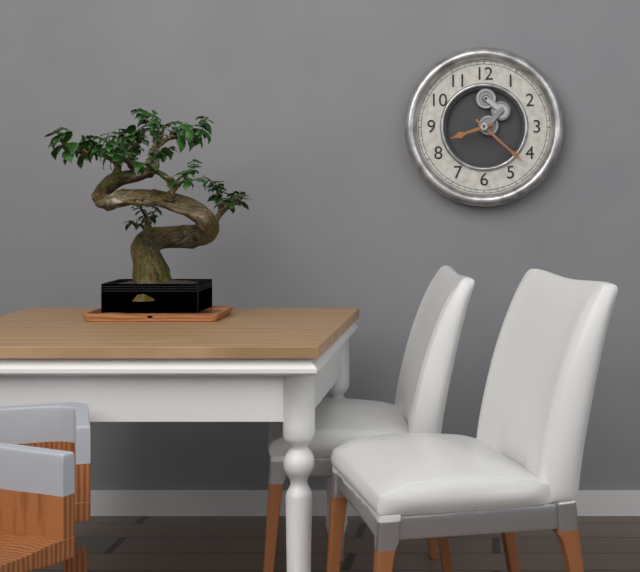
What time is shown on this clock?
8:22
